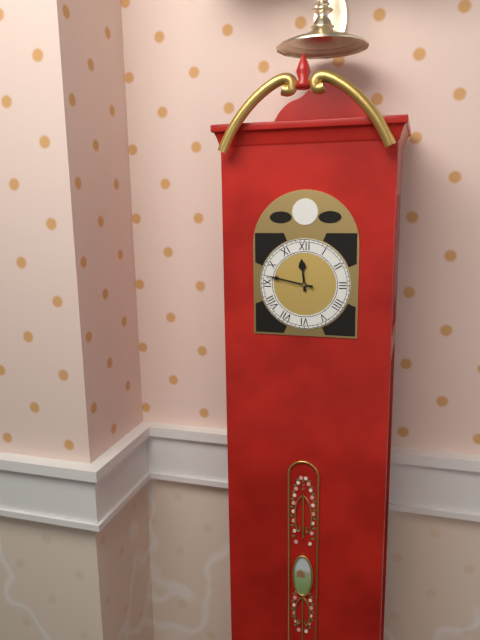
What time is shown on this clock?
11:47
